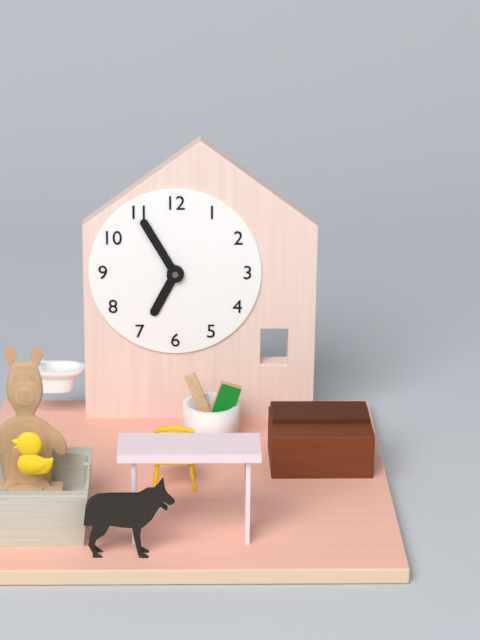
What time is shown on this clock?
6:55
